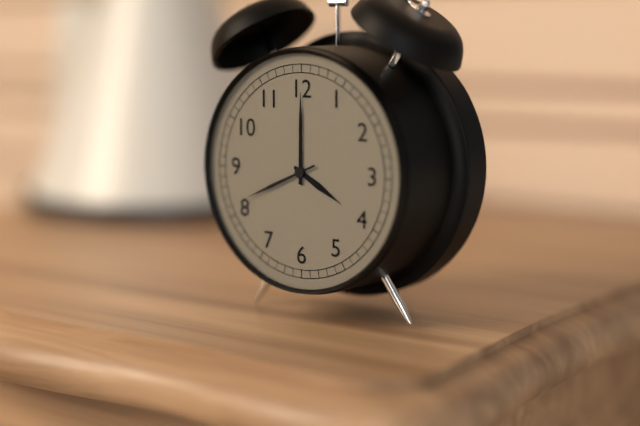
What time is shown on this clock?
4:00:41
